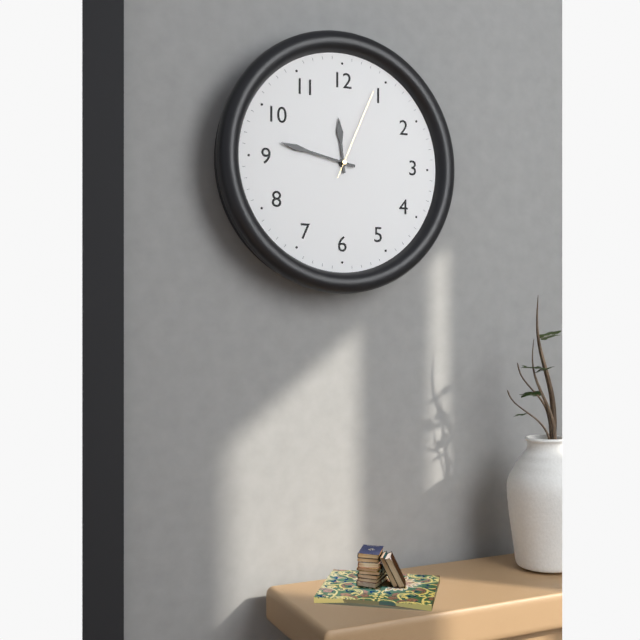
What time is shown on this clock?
11:47:04
